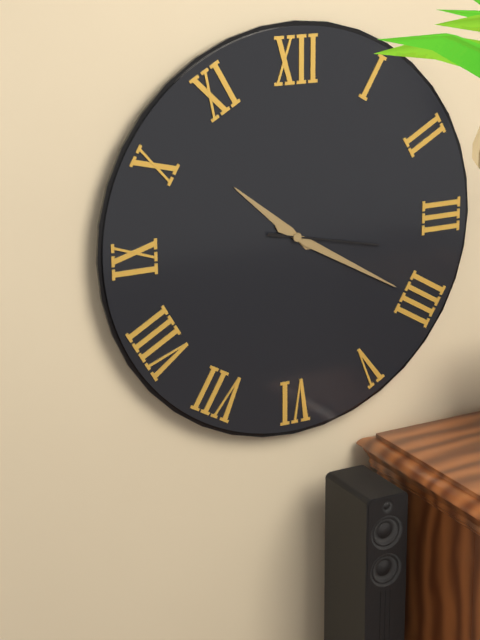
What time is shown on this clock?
10:20:17
